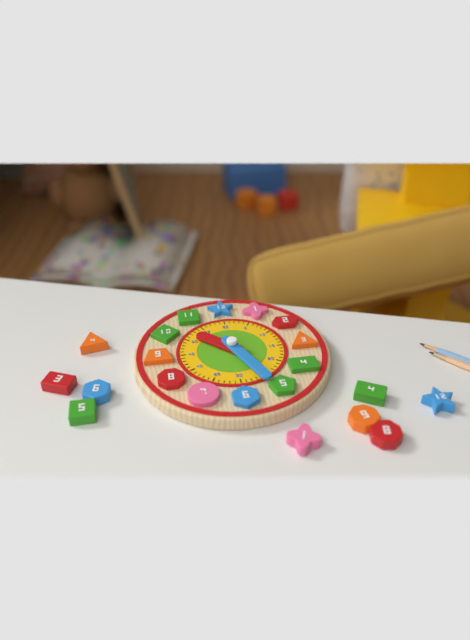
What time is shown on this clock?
10:26
